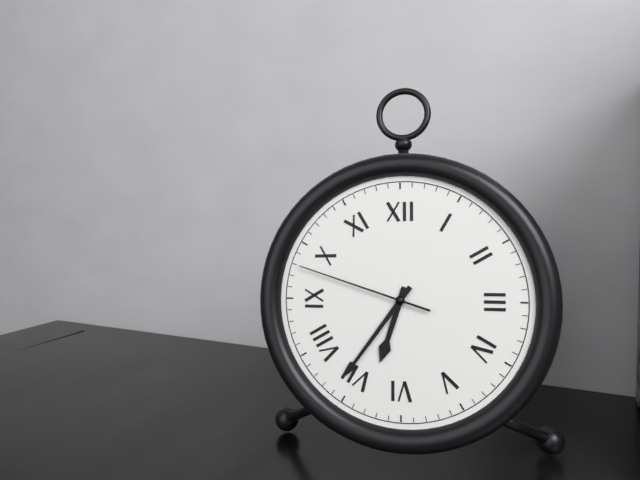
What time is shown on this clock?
6:36:48
